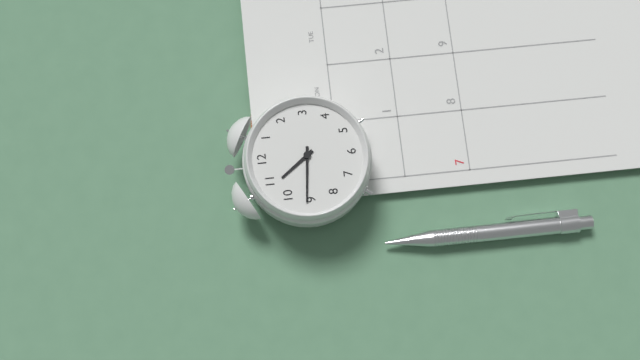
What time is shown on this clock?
10:46
